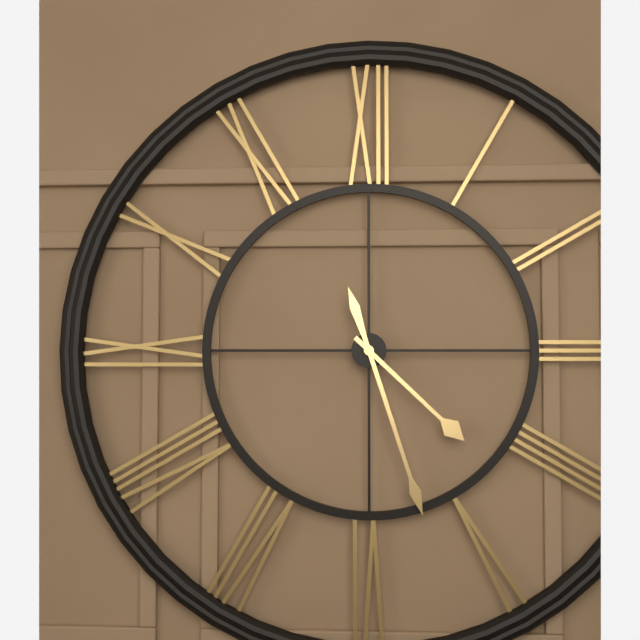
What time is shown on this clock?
4:27
